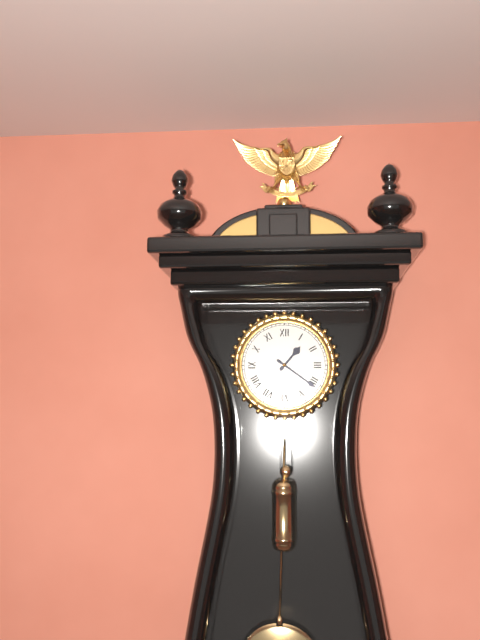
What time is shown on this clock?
1:21
